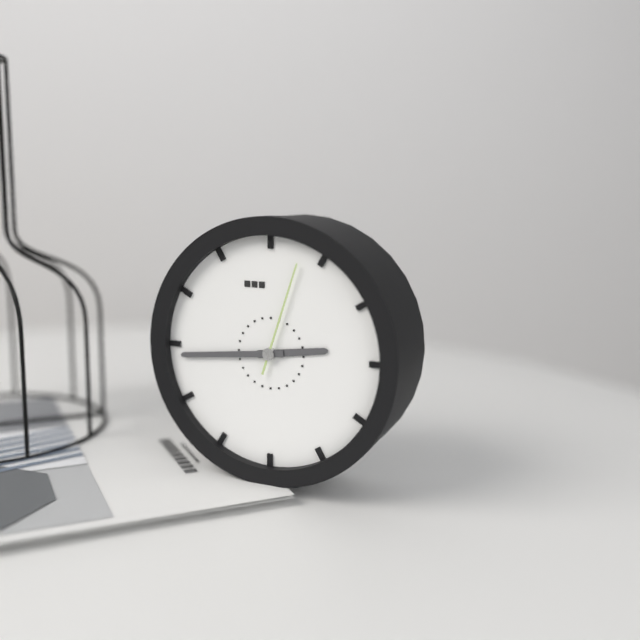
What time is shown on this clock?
2:44:03
